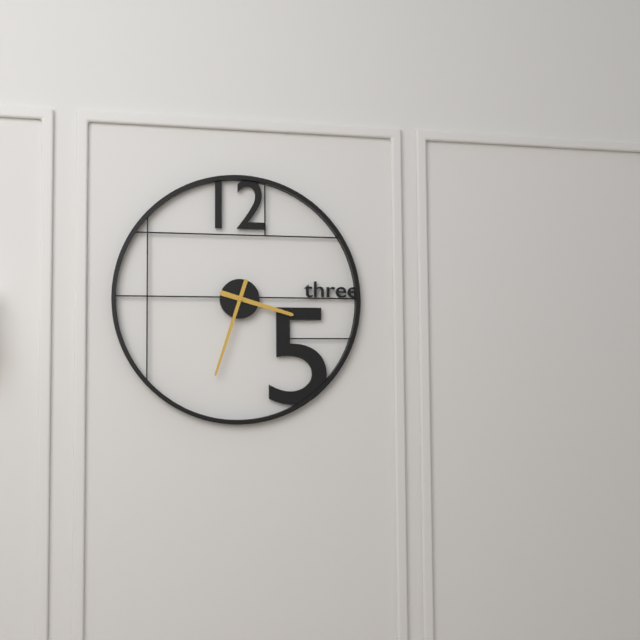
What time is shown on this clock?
3:33
